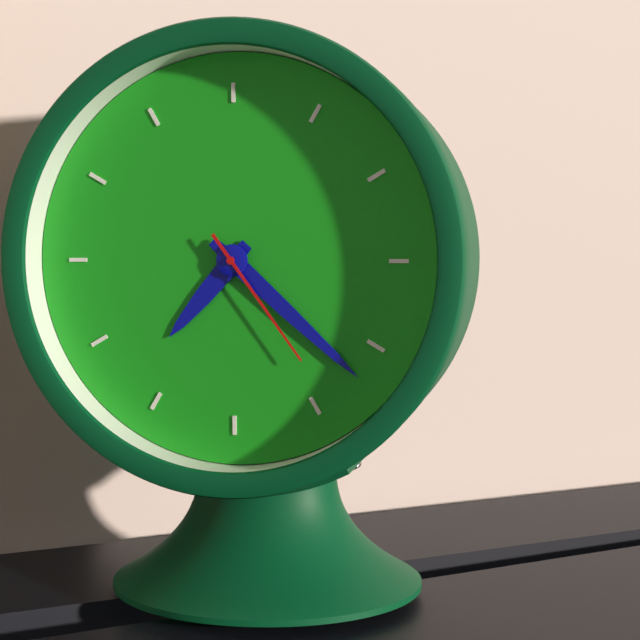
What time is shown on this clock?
7:22:24
